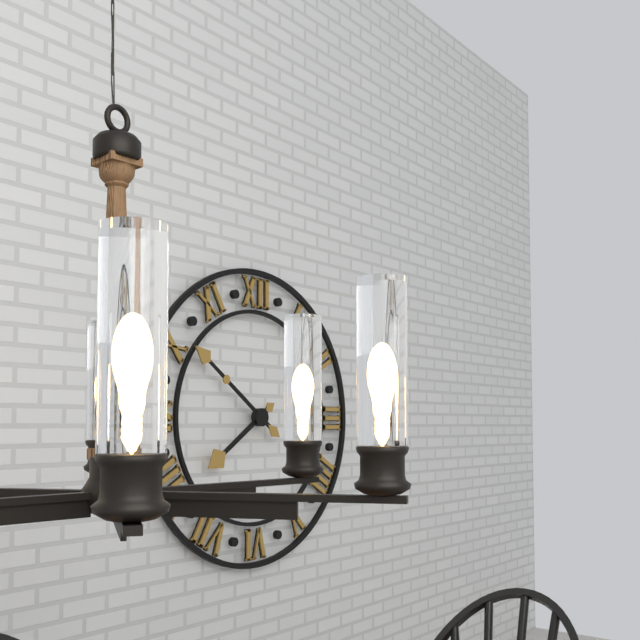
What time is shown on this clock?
7:51
